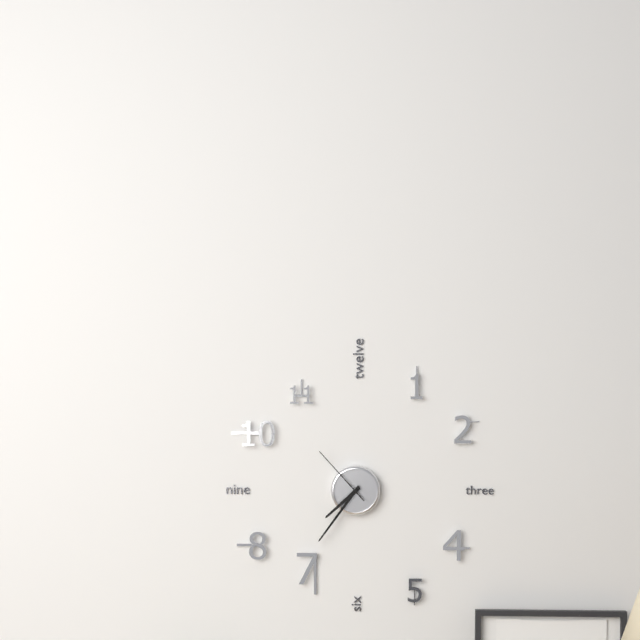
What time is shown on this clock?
7:36:53
